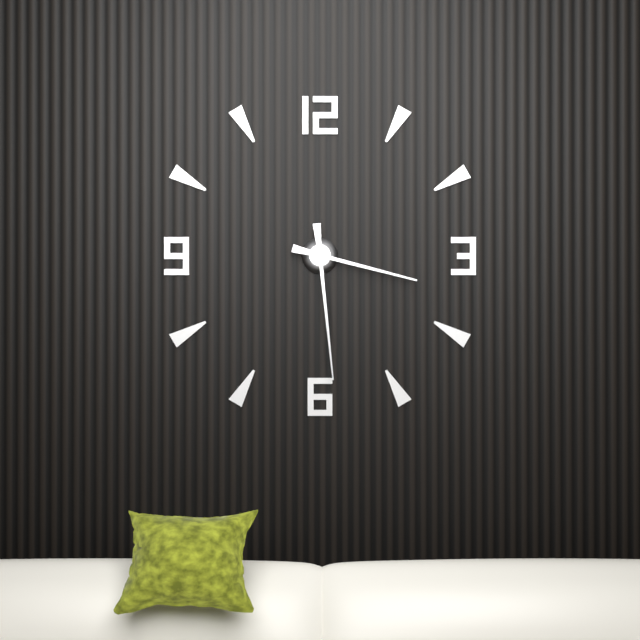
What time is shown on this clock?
3:29
